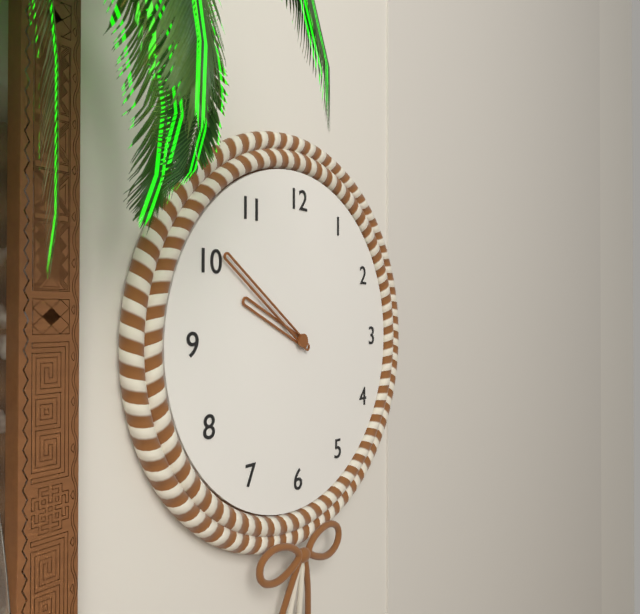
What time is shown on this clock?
9:51
